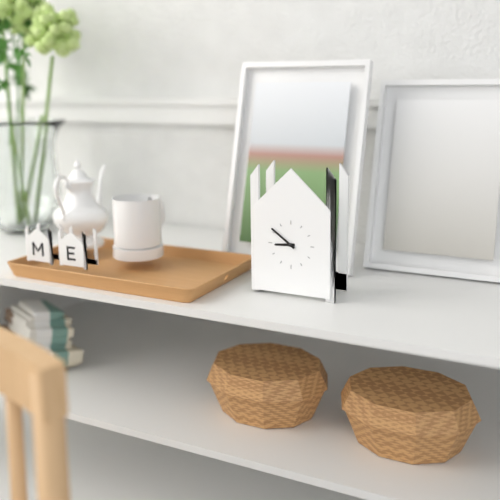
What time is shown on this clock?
8:51
